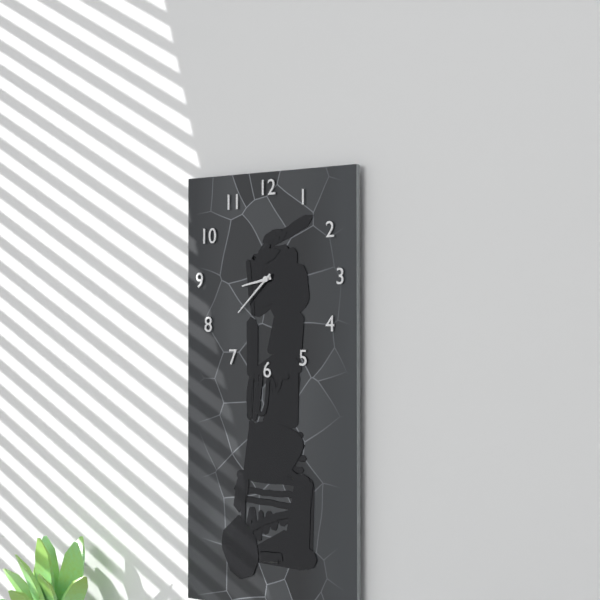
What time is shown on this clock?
8:38
